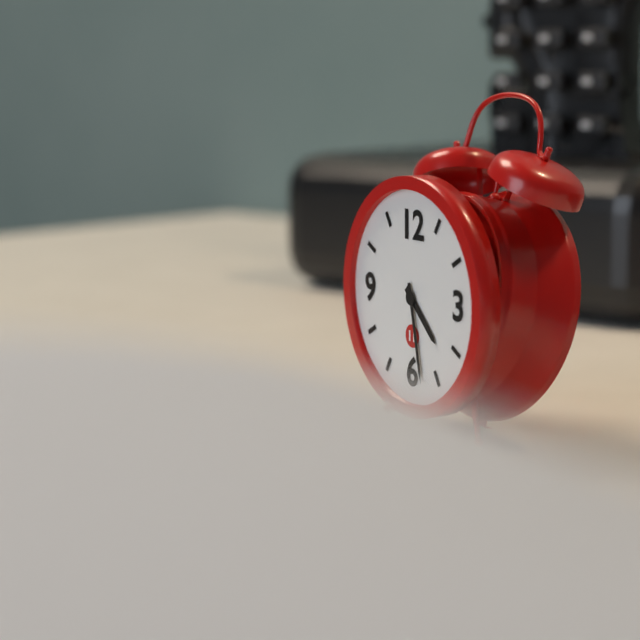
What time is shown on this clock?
4:28
